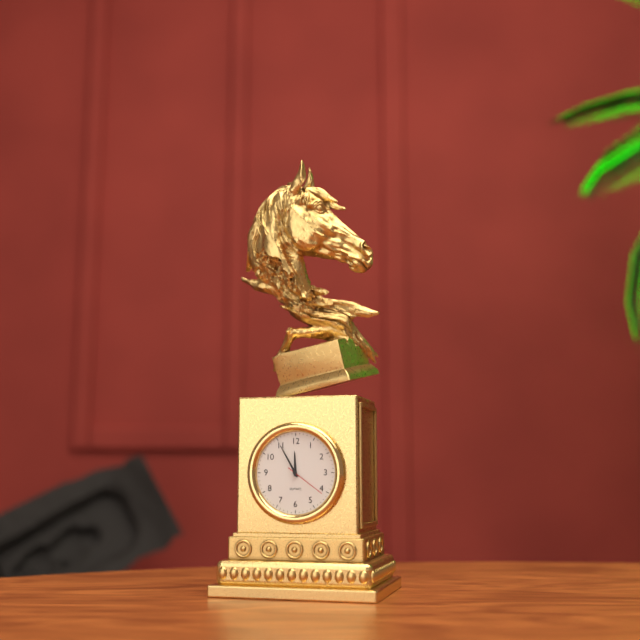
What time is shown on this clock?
11:55
